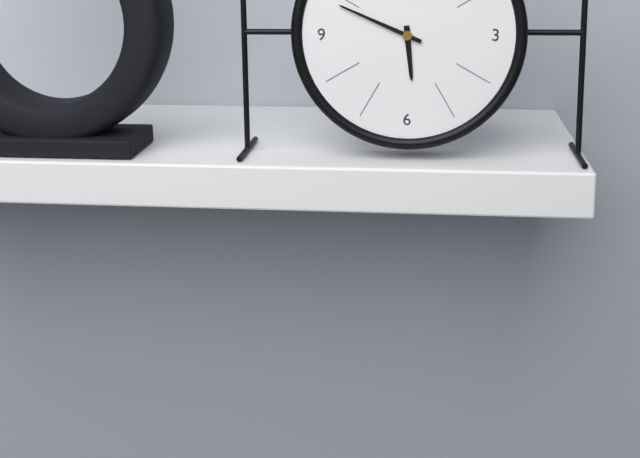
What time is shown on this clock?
5:49
